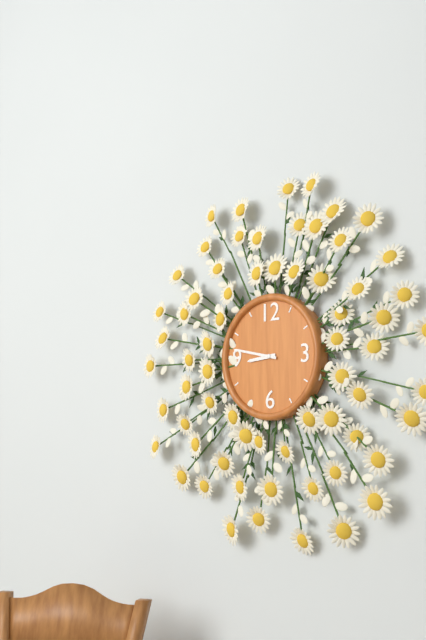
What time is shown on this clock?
8:47
